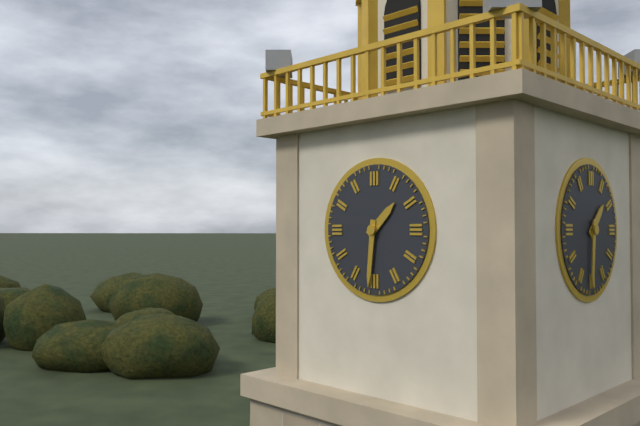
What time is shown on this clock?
1:31
